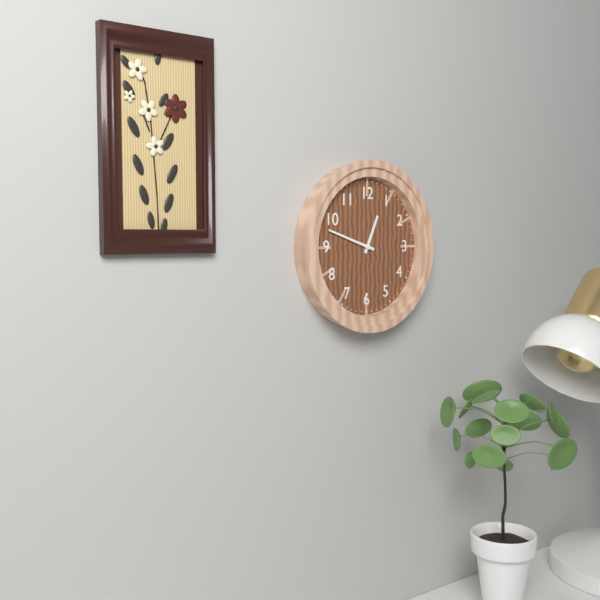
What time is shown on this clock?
12:48
